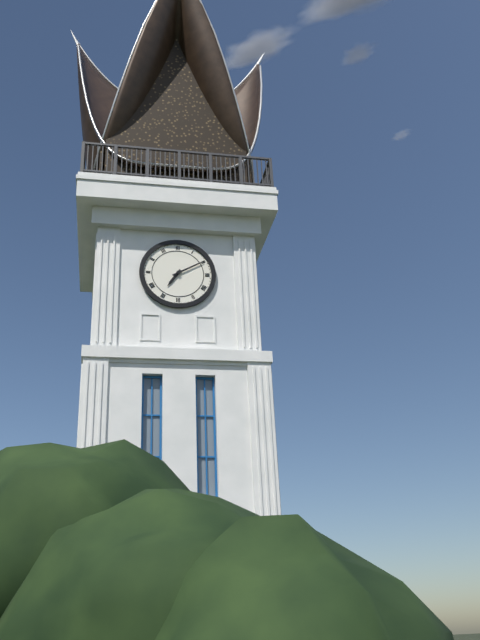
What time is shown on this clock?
7:10
